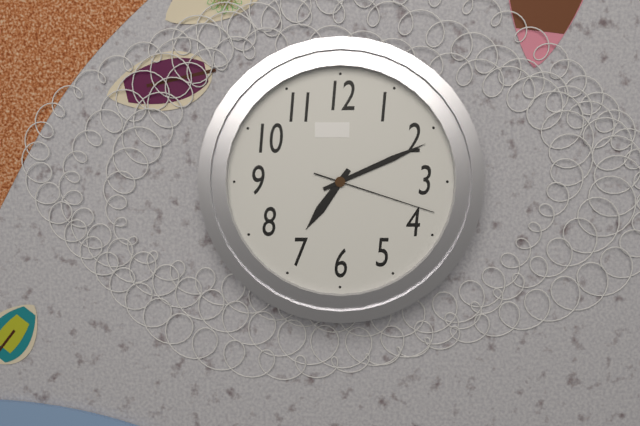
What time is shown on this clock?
7:11:18
